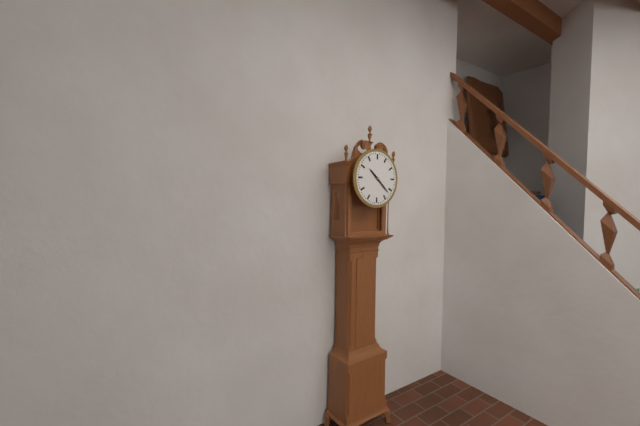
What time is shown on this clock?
10:22
